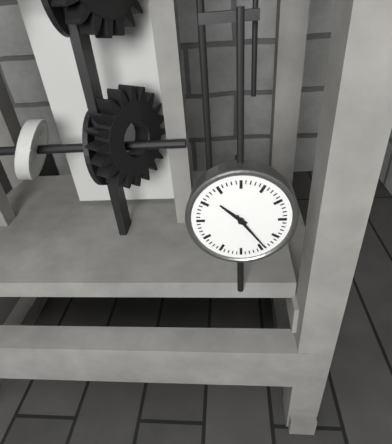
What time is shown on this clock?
10:24
